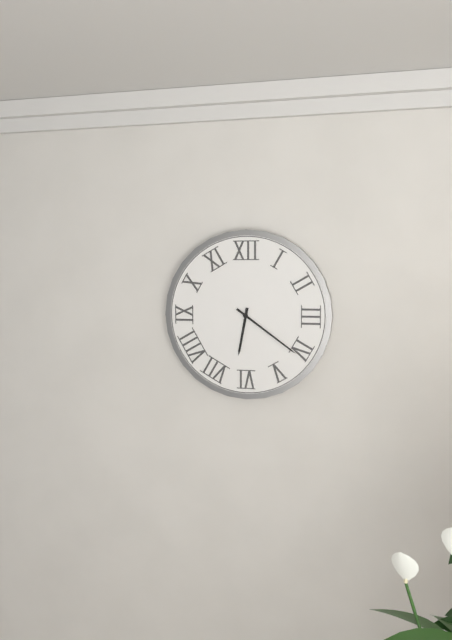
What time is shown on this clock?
6:21
